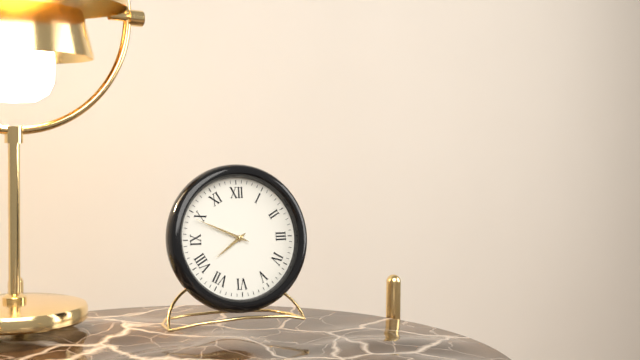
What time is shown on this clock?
7:49
